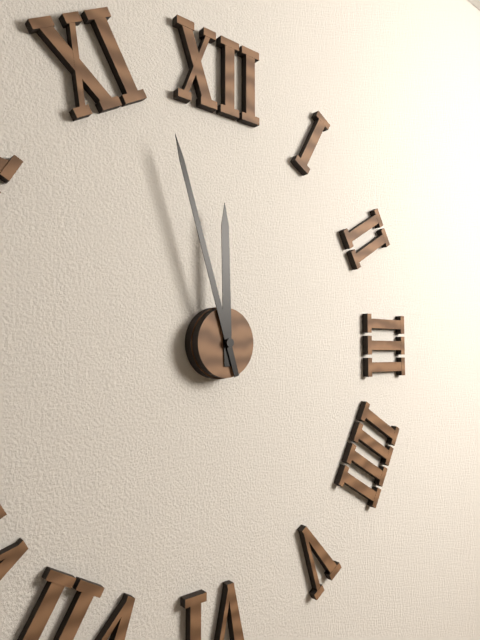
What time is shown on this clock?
11:57
